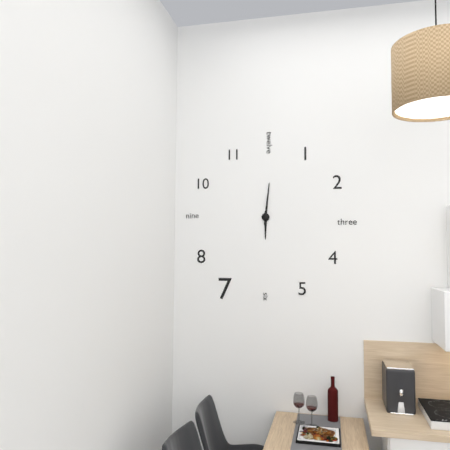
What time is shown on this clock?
6:01
